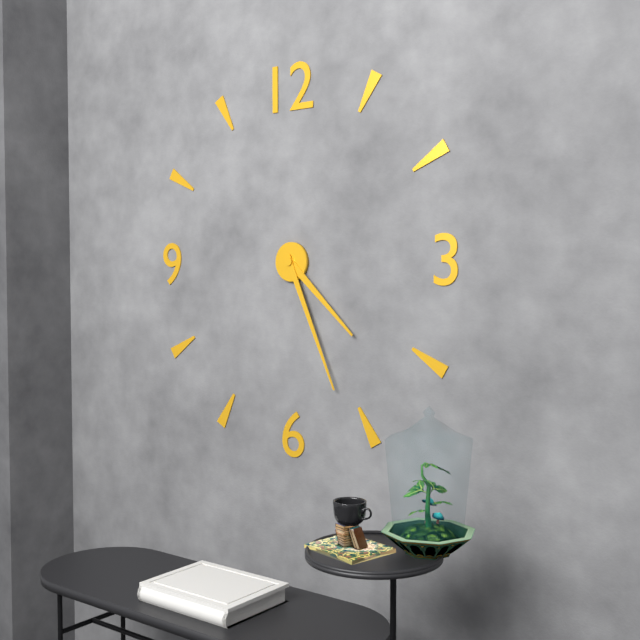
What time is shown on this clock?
4:26
